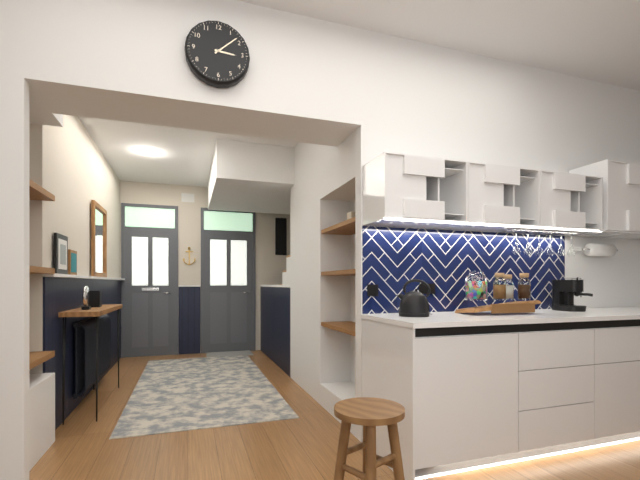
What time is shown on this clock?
3:08
